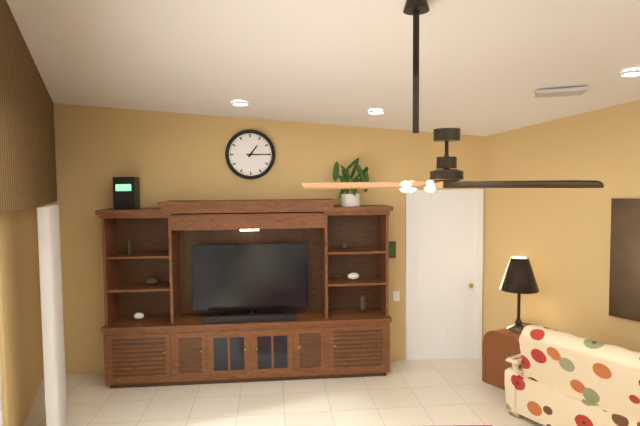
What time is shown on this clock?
1:15
